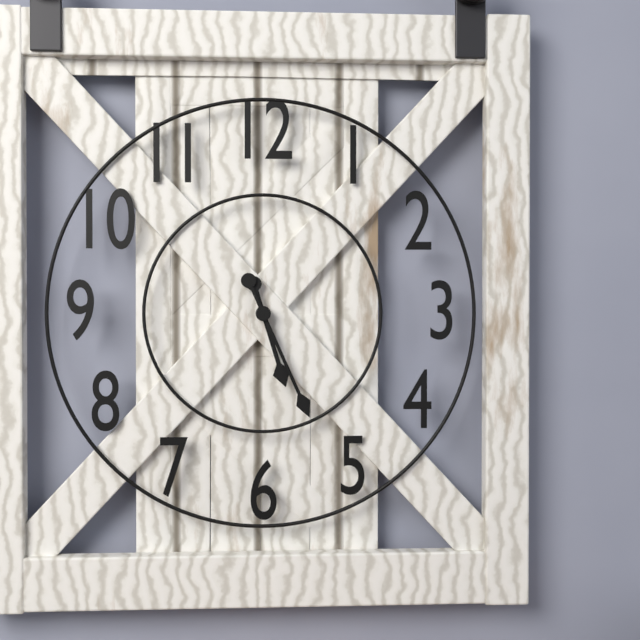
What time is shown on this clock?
5:26
